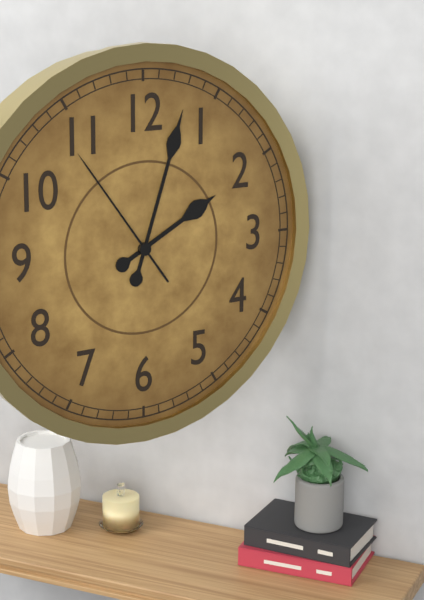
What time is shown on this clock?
2:03:54
